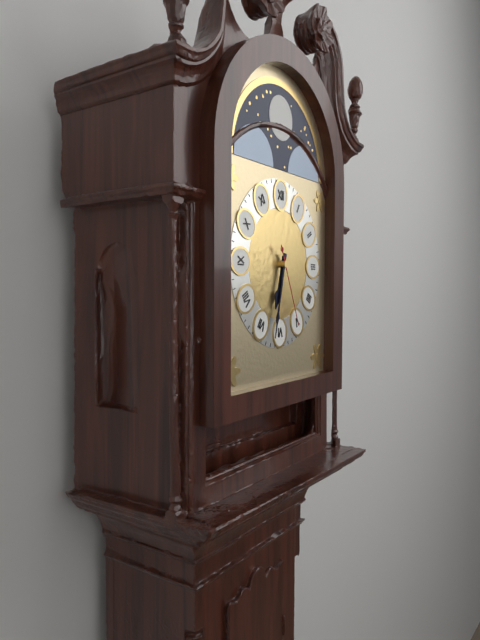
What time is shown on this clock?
6:32:26
